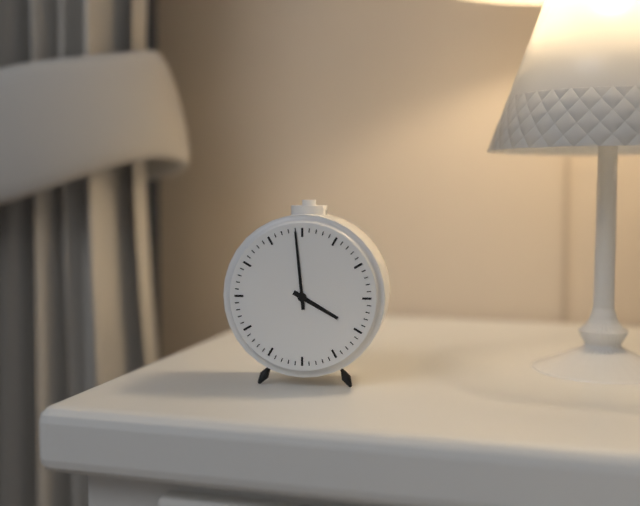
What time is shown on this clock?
3:59
